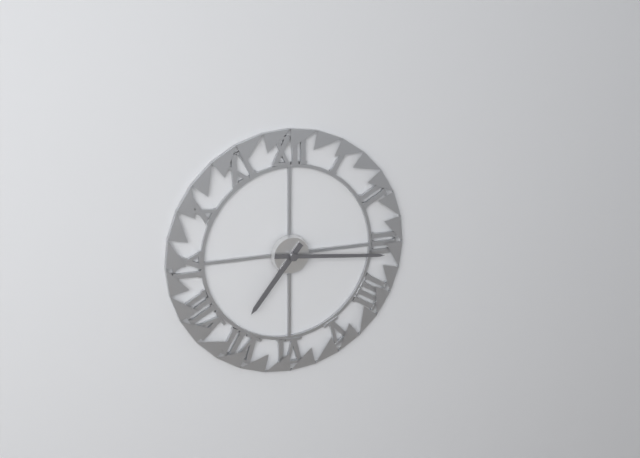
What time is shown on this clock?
7:16
